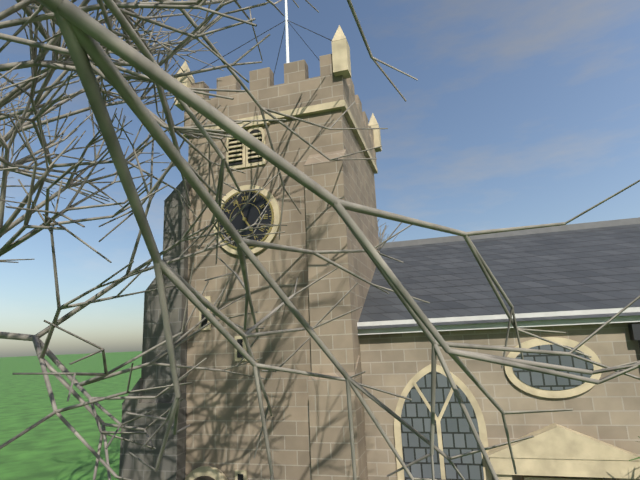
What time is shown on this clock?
4:56
